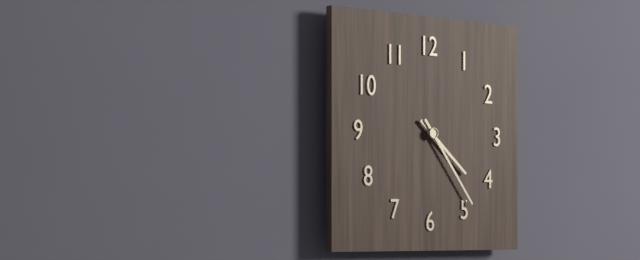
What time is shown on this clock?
4:24
